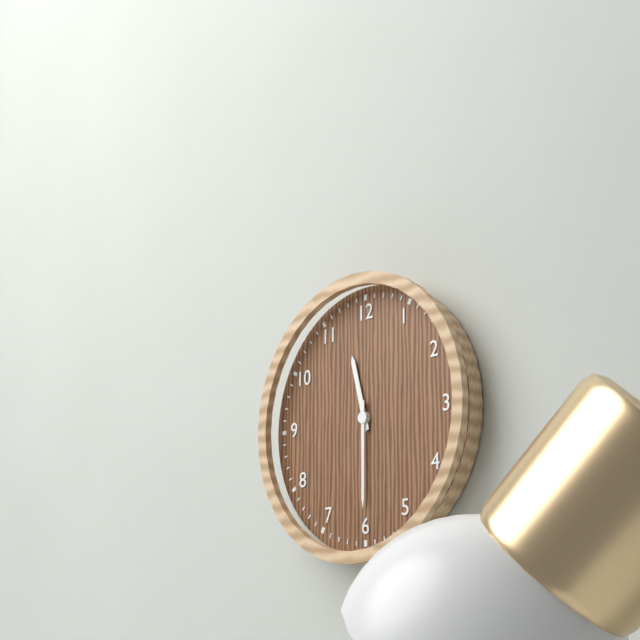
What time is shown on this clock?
11:30
